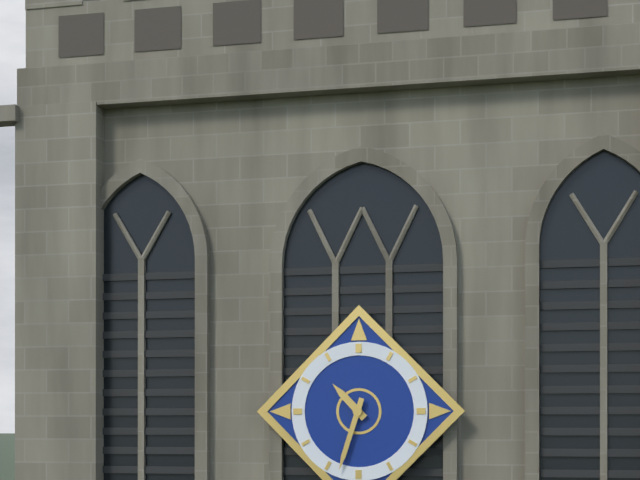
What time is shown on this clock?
10:33
